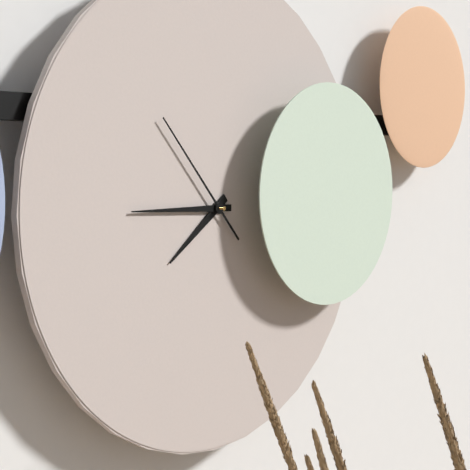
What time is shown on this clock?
7:45:53
